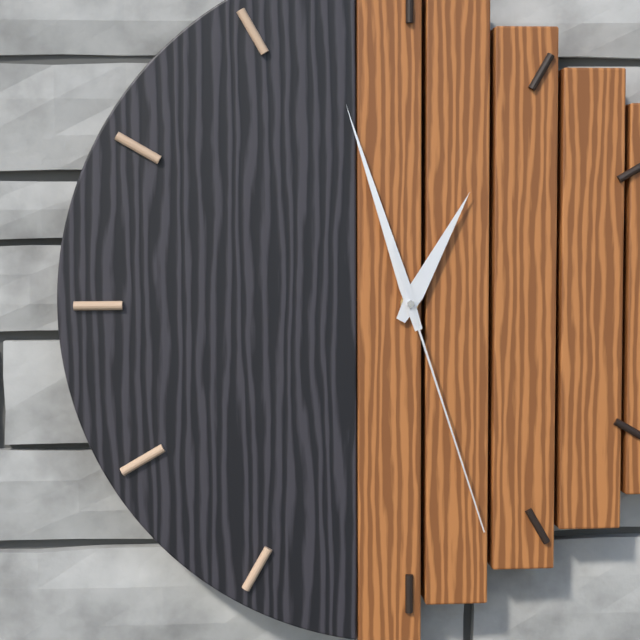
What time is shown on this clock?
12:57:27
